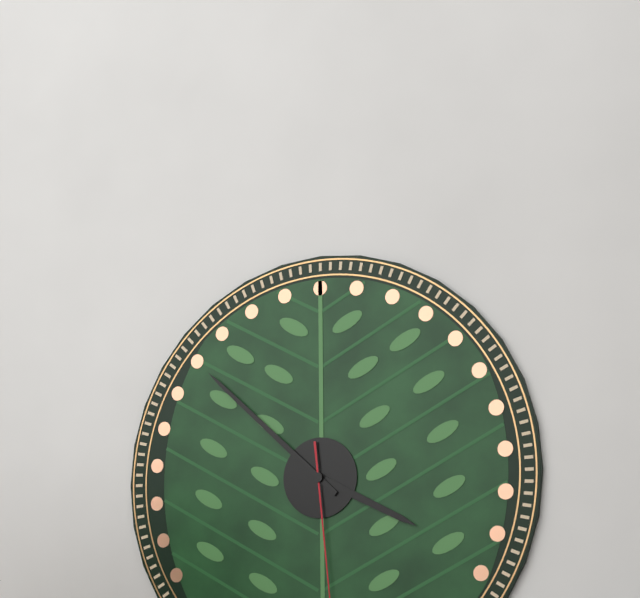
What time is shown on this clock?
3:52
